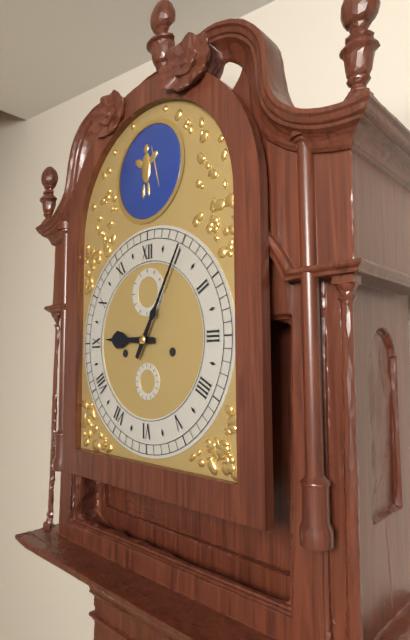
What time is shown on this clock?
9:05
